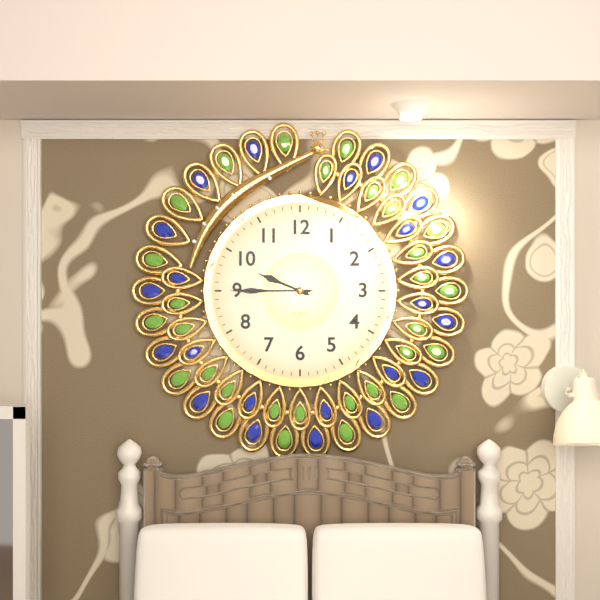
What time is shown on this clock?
9:45
